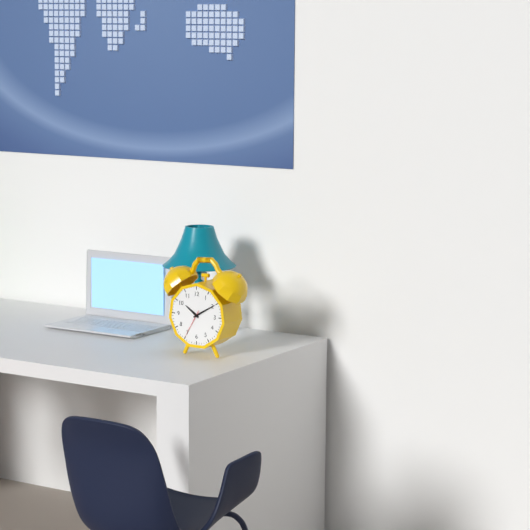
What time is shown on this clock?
10:10
